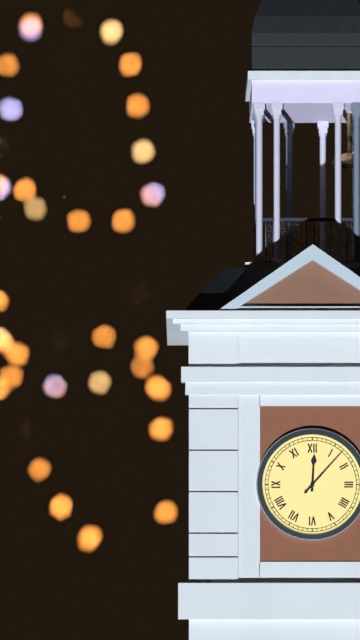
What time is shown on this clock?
12:07
